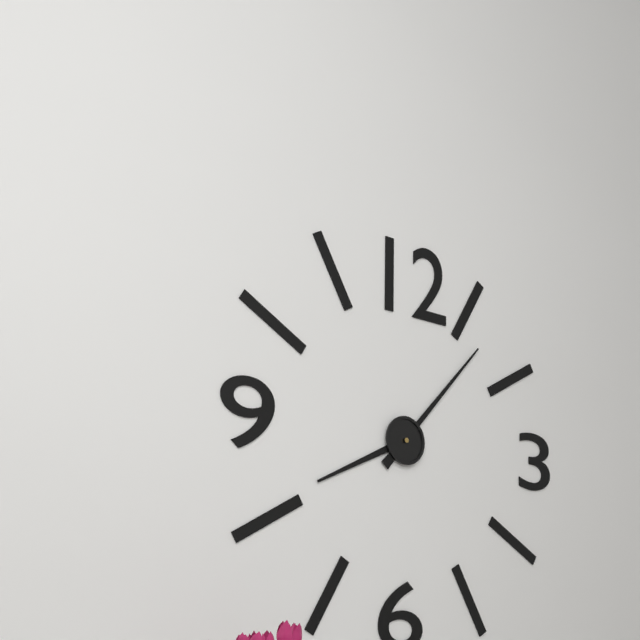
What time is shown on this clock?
8:07
